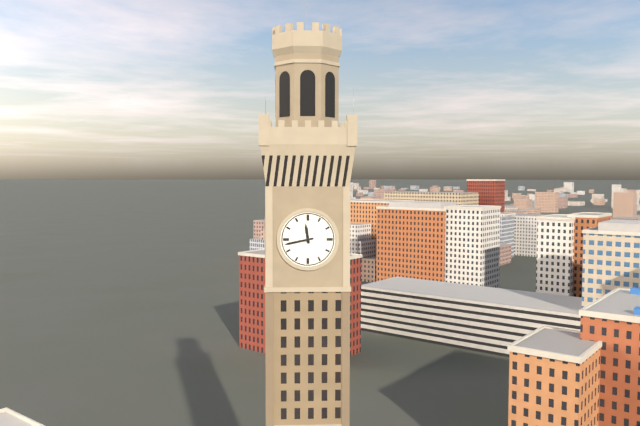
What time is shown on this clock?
11:43
